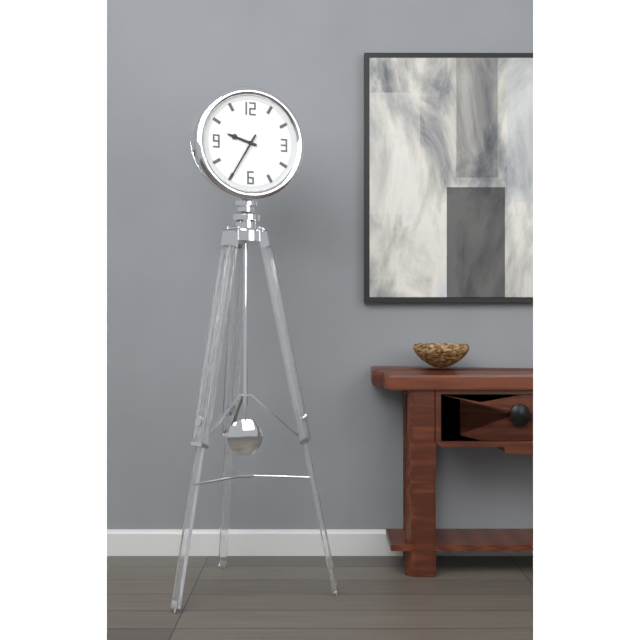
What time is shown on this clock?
9:35
